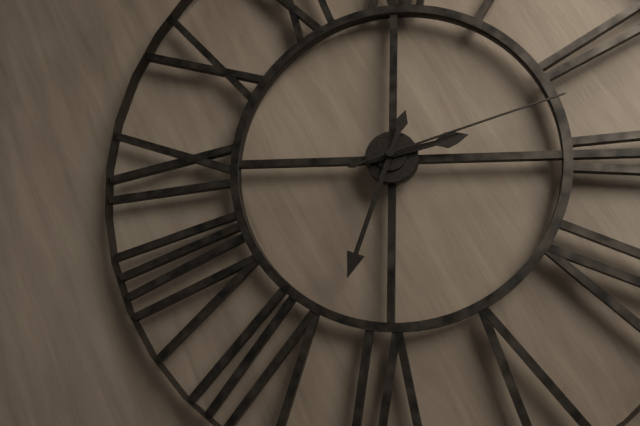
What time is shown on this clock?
2:33:12
